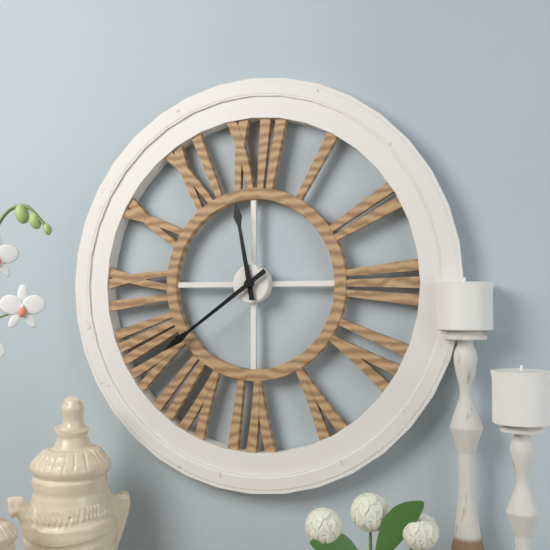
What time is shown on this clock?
11:39
